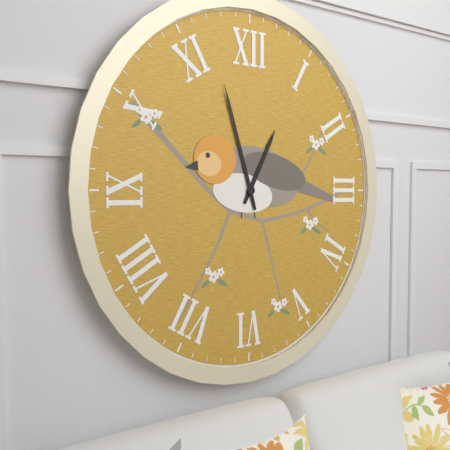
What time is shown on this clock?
12:57
